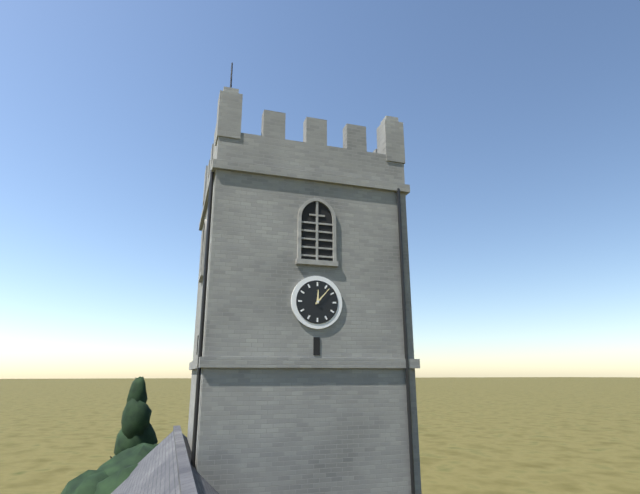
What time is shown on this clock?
12:07
